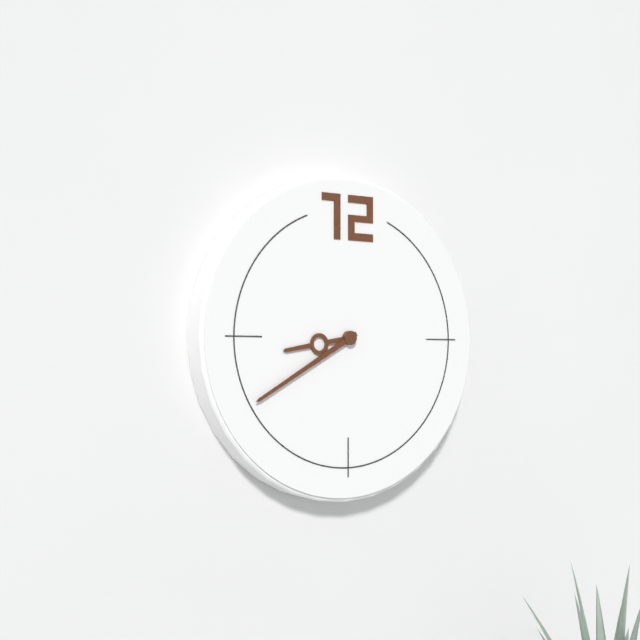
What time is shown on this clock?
8:40
